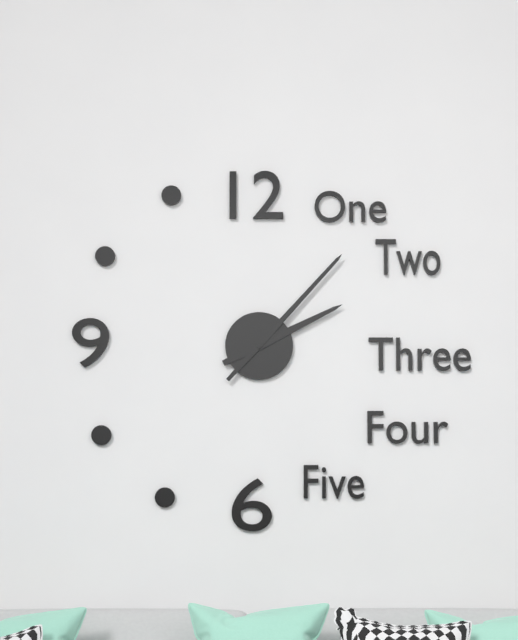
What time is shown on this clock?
2:07
